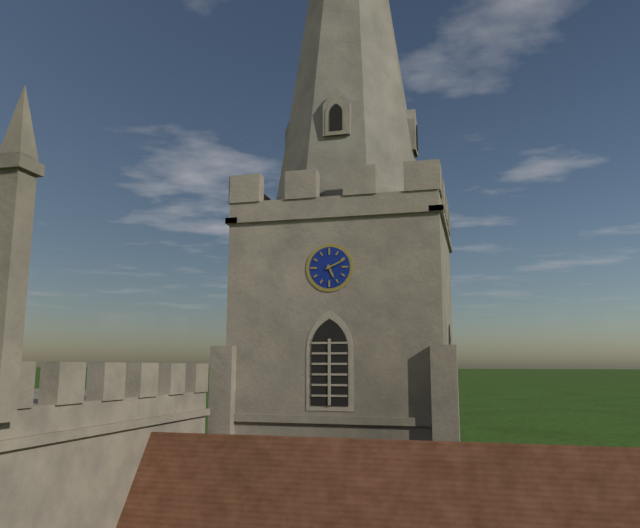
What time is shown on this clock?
5:11
